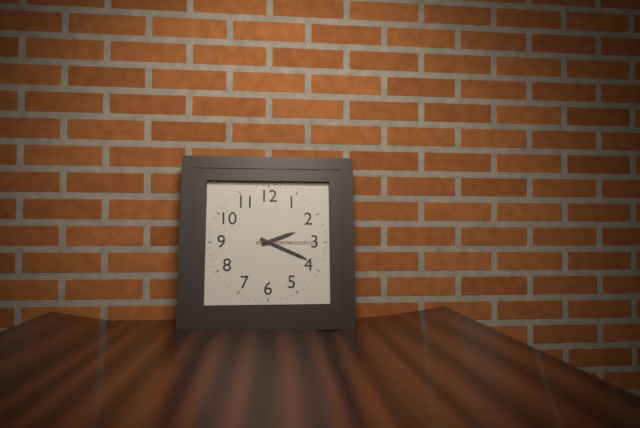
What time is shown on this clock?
2:19:15
